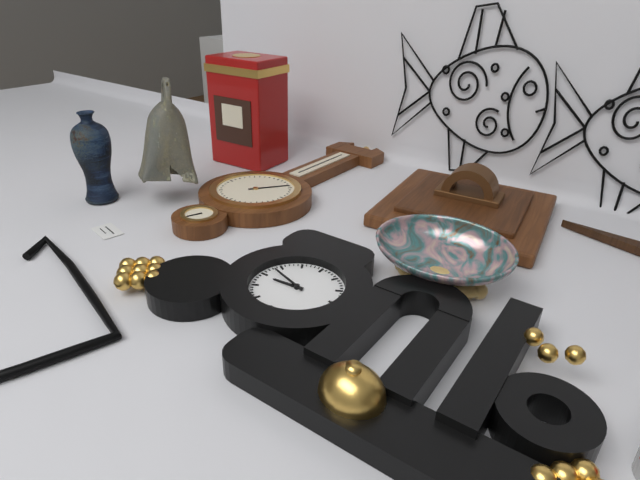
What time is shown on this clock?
8:48
